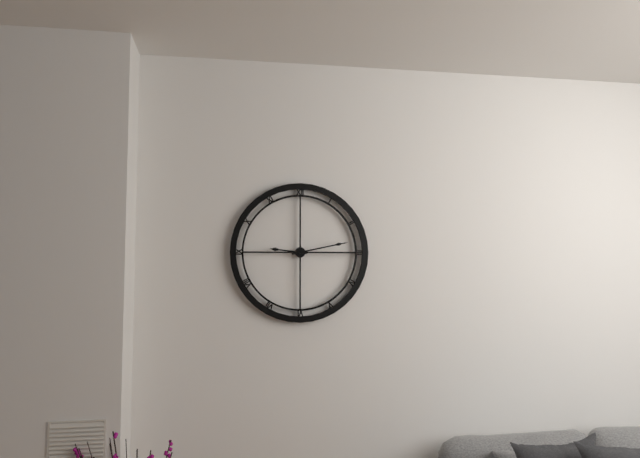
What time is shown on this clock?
9:13
